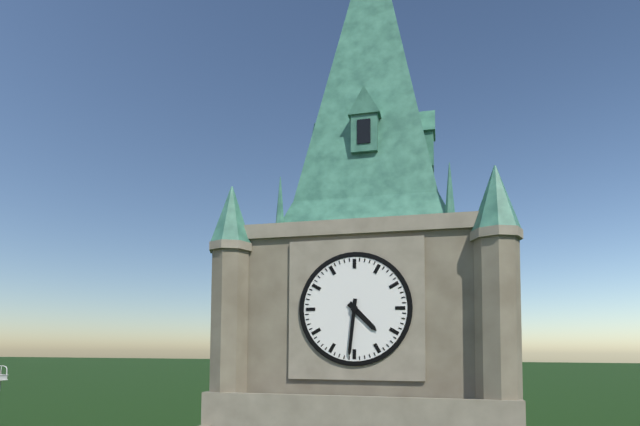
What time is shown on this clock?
4:31
